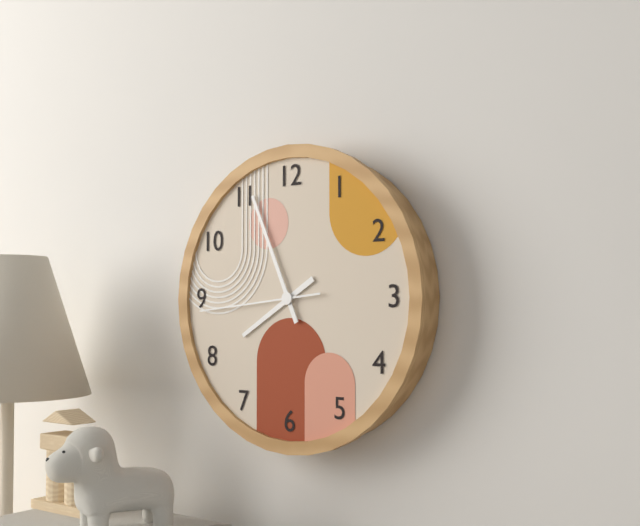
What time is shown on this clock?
7:56:44
